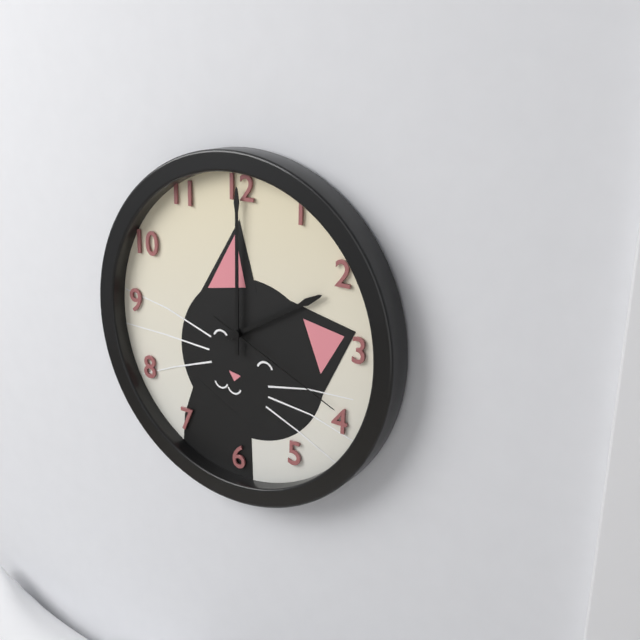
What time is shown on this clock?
2:00:19
